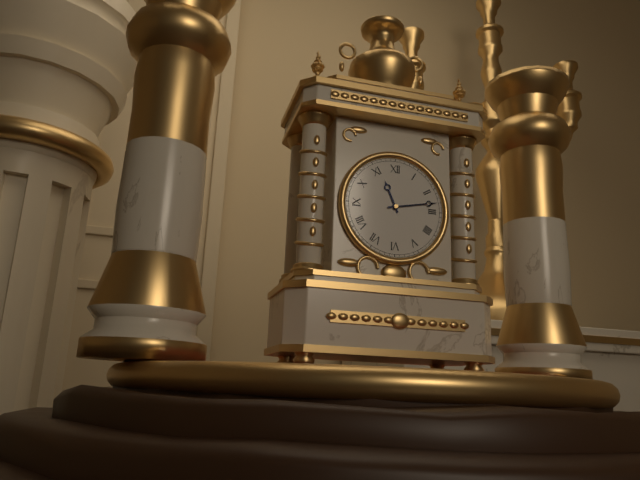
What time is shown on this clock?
11:13
